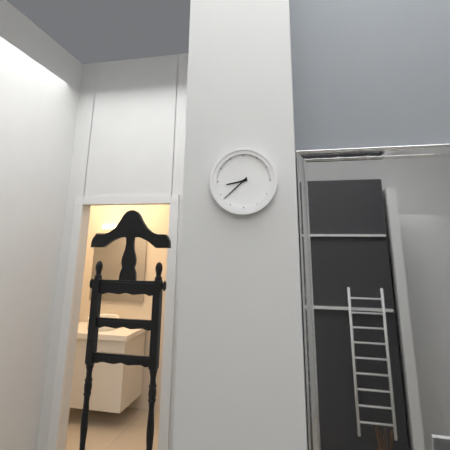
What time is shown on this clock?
8:38
